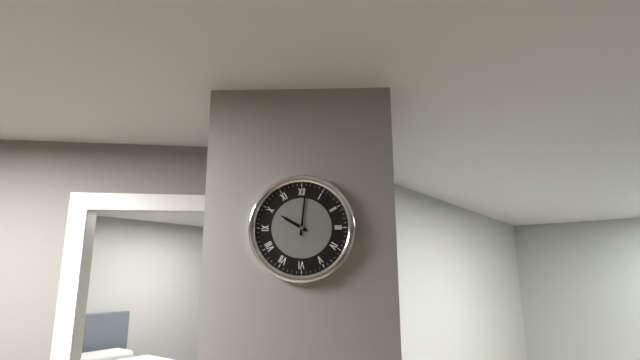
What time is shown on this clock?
10:01
